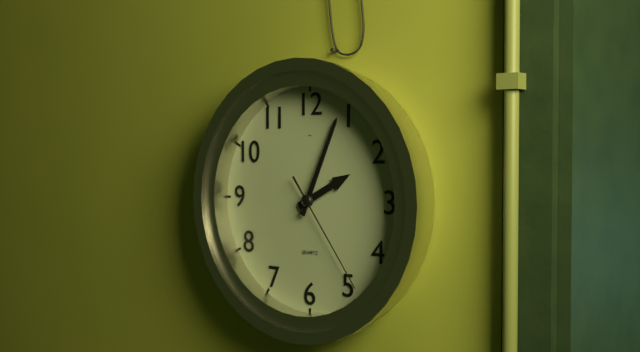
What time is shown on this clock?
2:04:24
